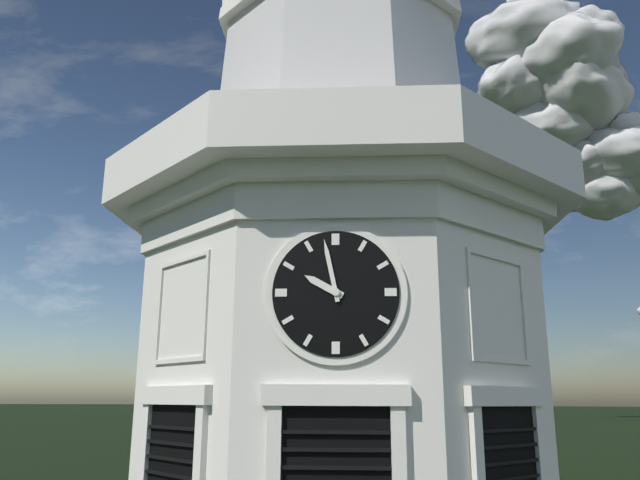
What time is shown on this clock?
9:58
